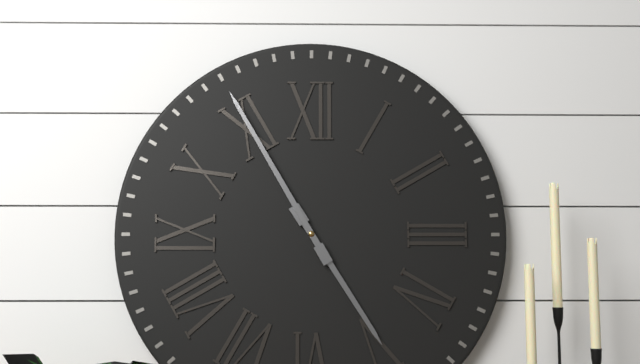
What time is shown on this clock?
4:55
